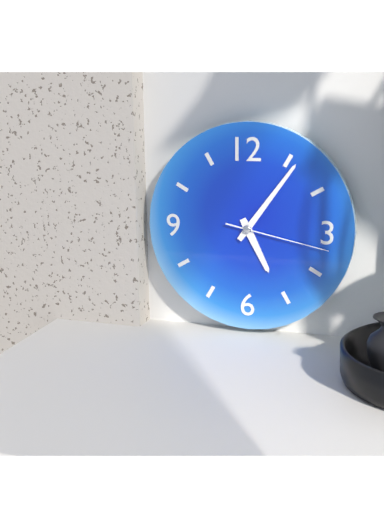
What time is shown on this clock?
5:06:17
